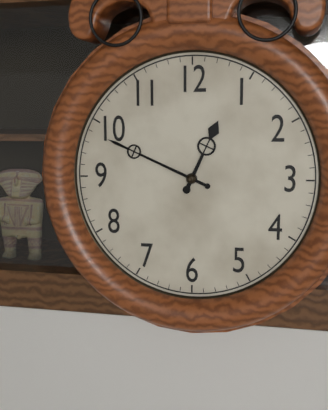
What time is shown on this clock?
12:49
